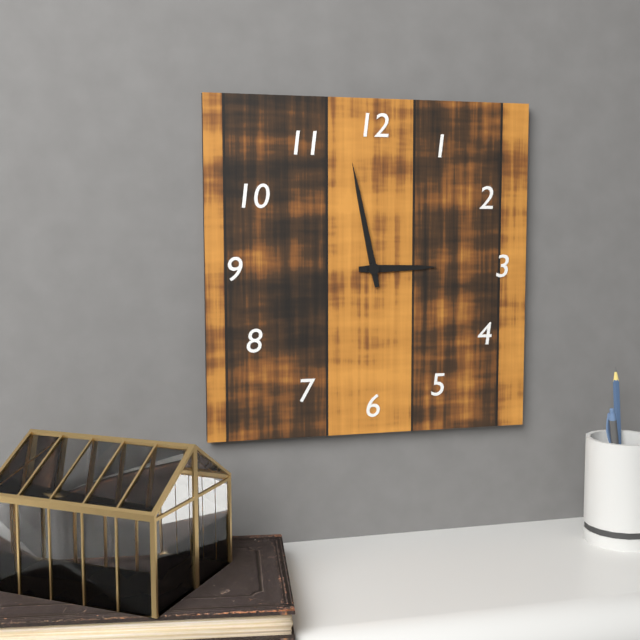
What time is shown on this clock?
2:58
